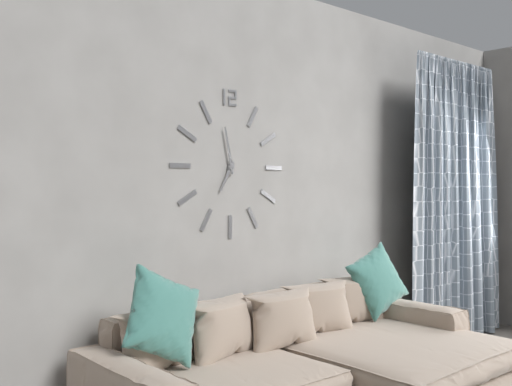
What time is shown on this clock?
6:58
